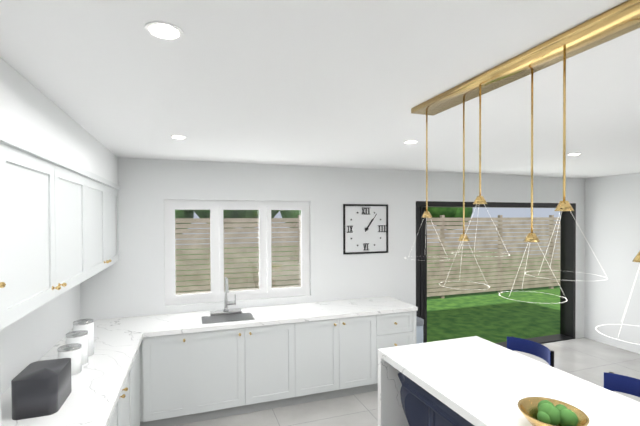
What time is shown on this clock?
1:06
